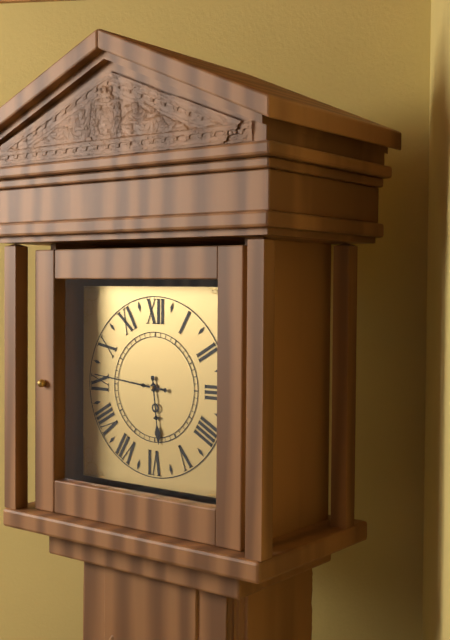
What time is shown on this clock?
5:46
